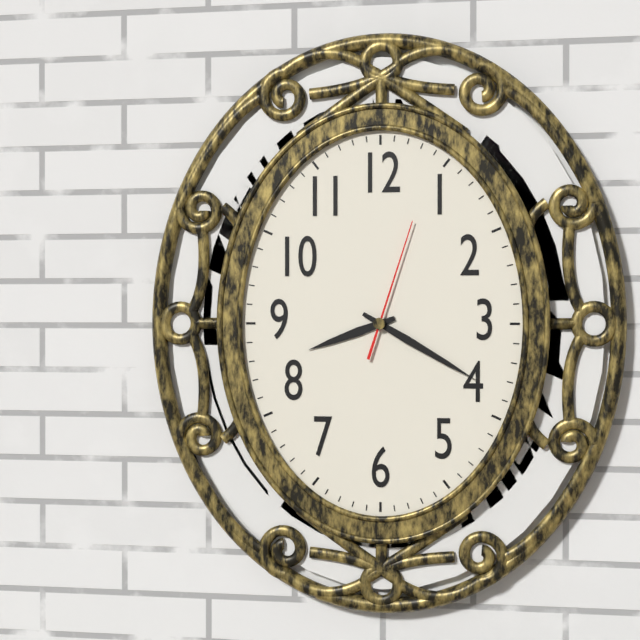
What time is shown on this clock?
8:20:03
